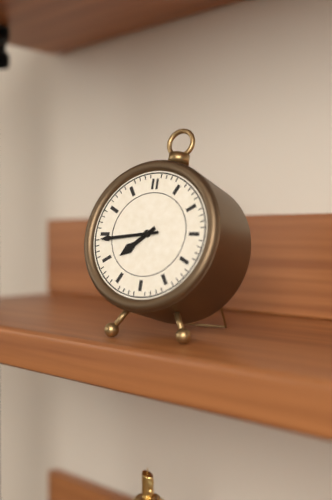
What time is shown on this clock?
7:44
